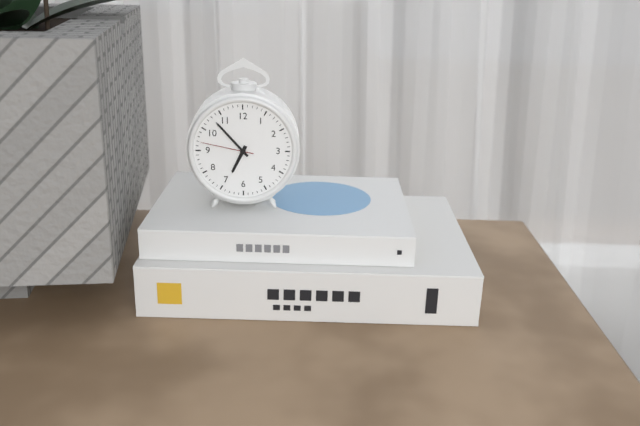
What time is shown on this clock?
6:53:47
